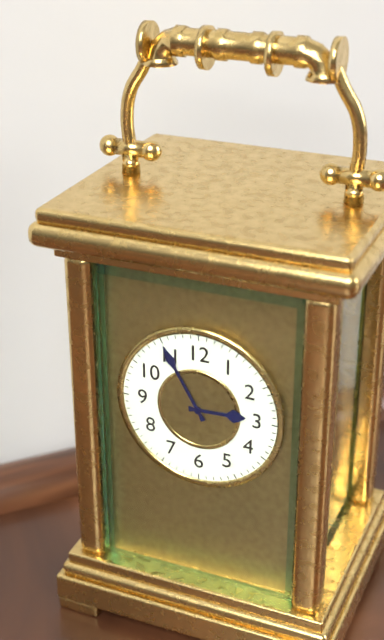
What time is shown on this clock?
2:55
